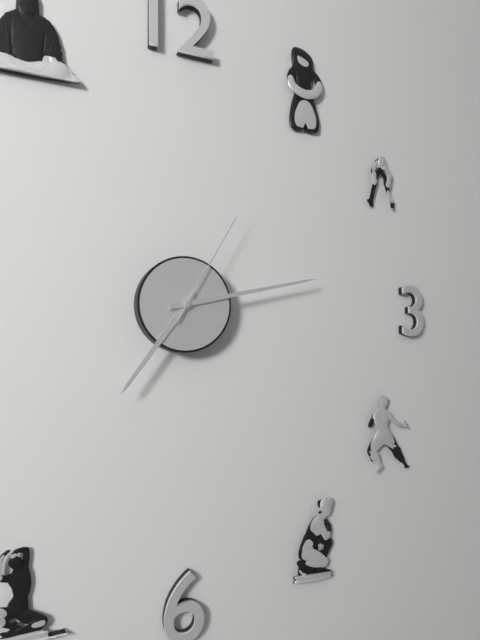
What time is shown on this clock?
7:13:05
